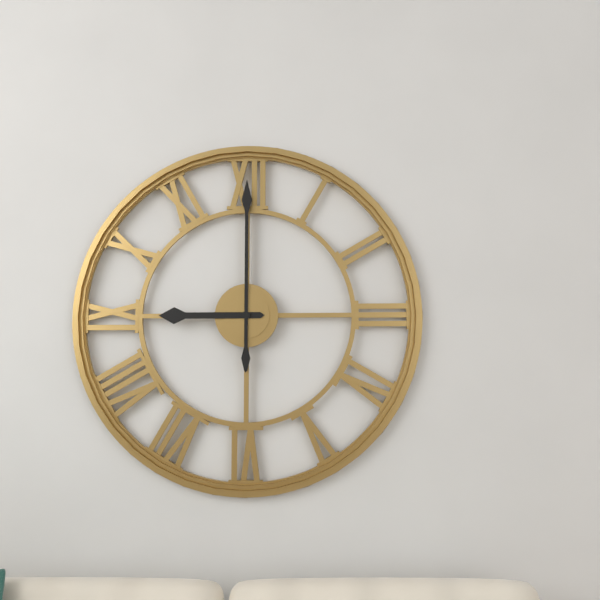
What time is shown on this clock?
9:00
